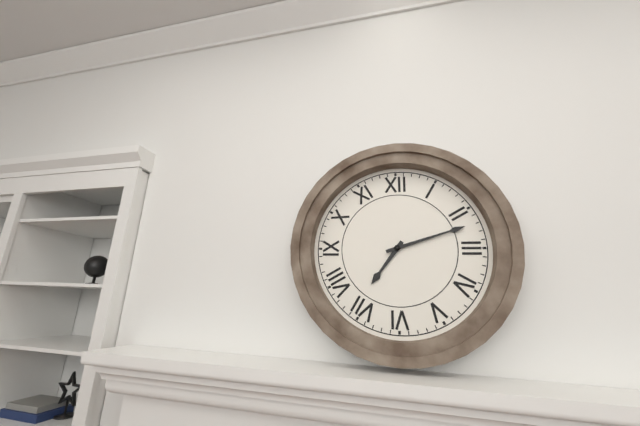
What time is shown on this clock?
7:12
